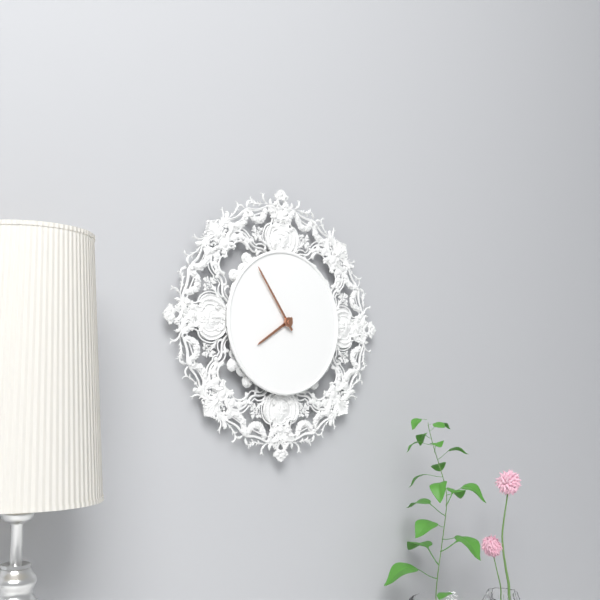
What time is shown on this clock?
7:54
